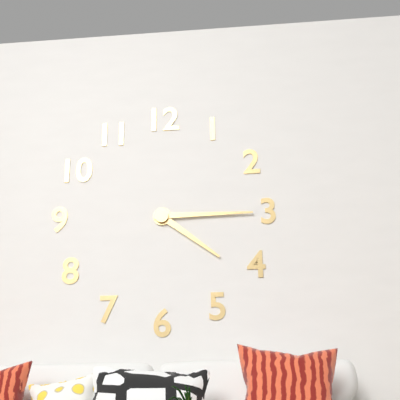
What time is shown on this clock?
4:15
